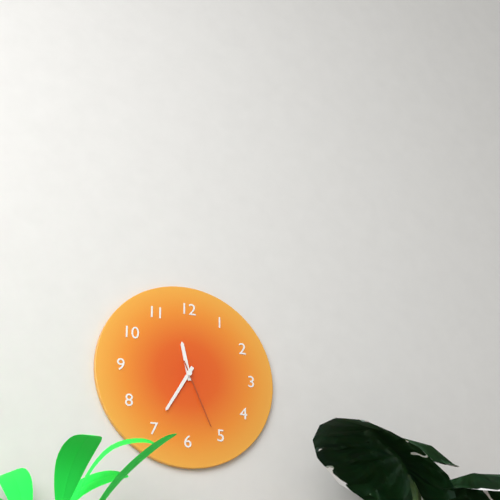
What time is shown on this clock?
11:35:26
